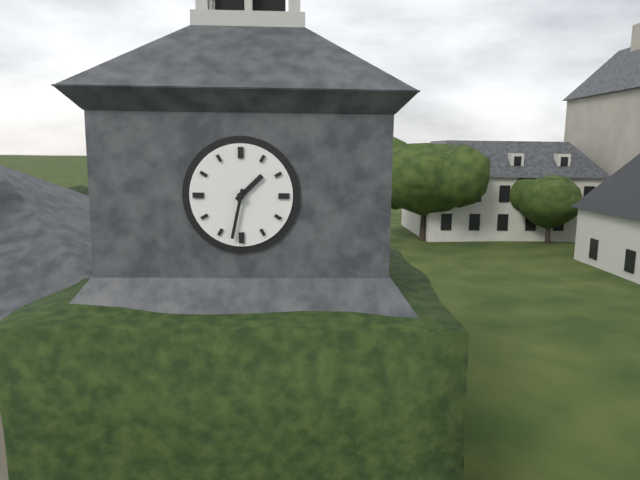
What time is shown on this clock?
1:32
